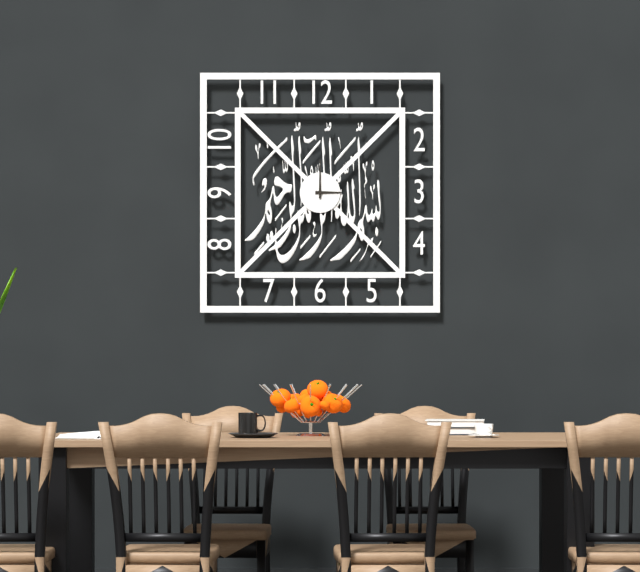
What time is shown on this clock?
3:00
